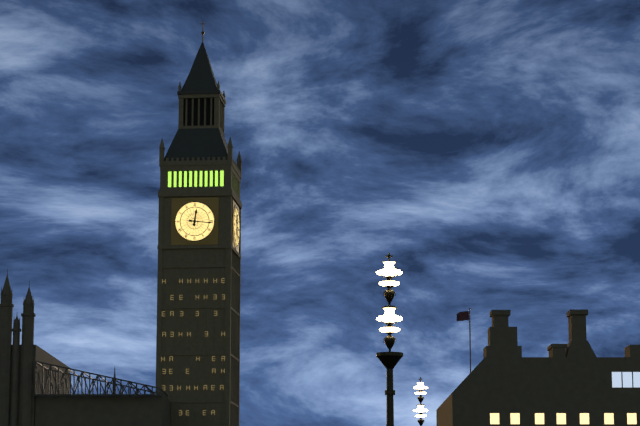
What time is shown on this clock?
12:16
